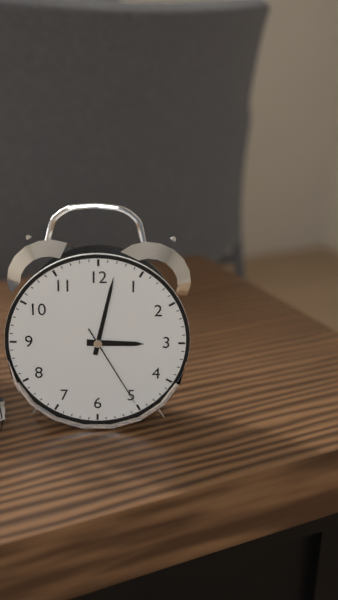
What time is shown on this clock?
3:02:25
